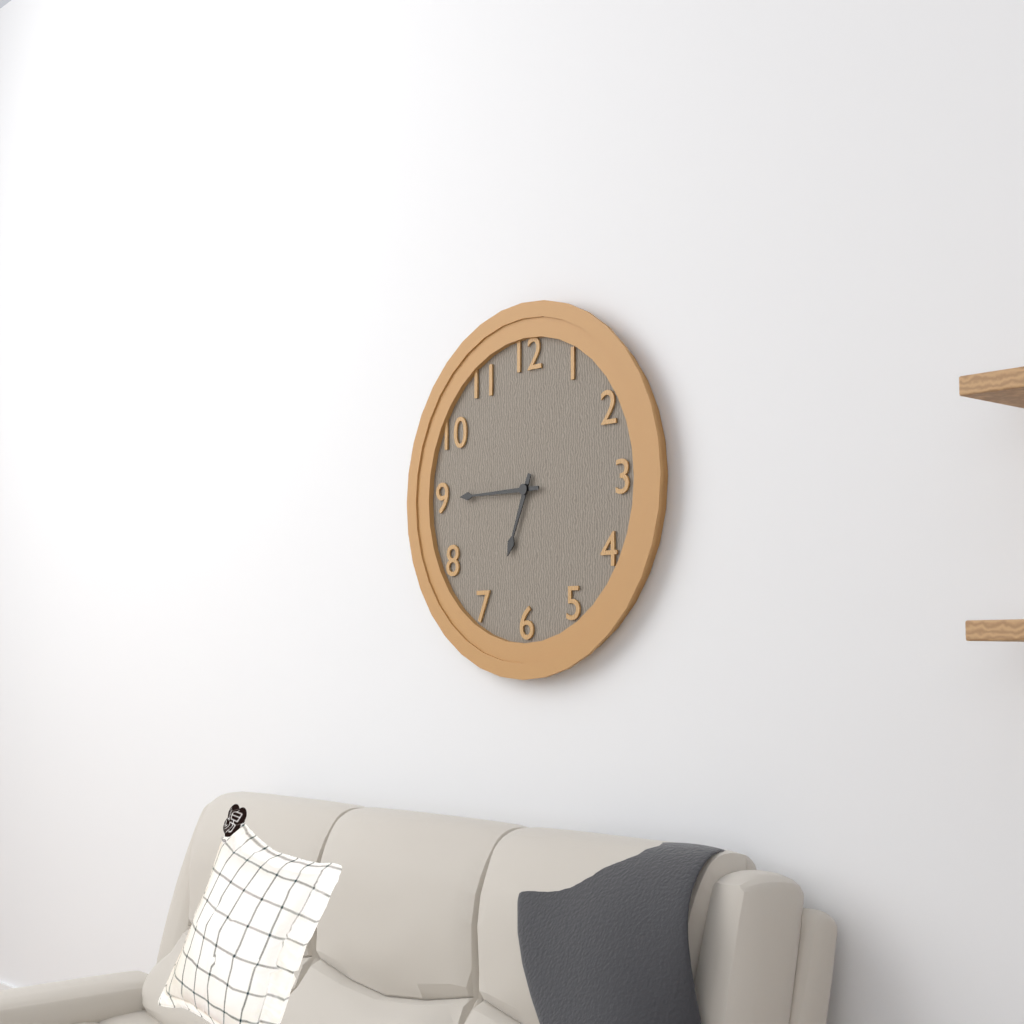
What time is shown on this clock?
6:45
